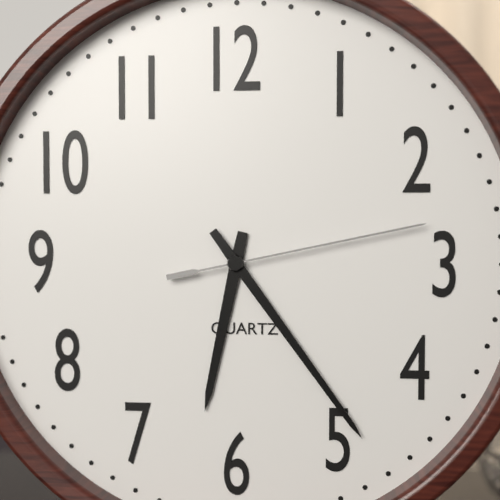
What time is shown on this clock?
6:24:13
